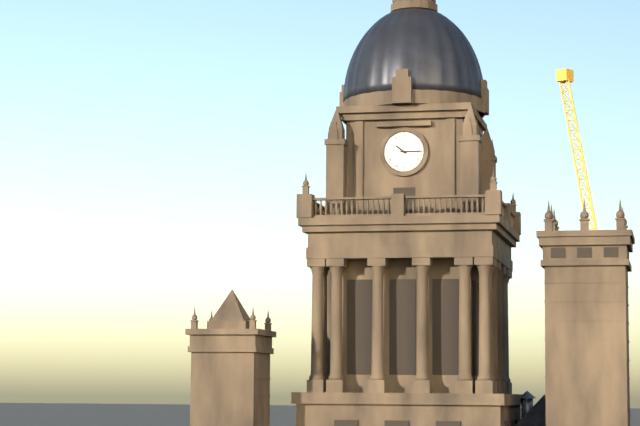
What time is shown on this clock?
10:15
